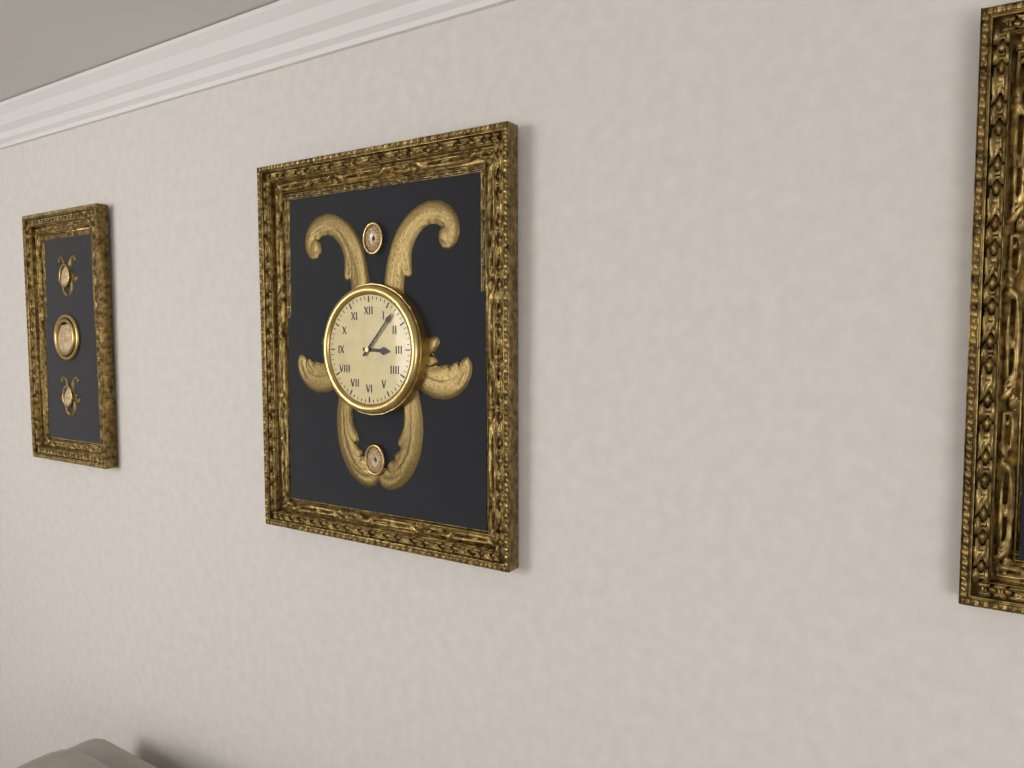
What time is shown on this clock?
3:07
